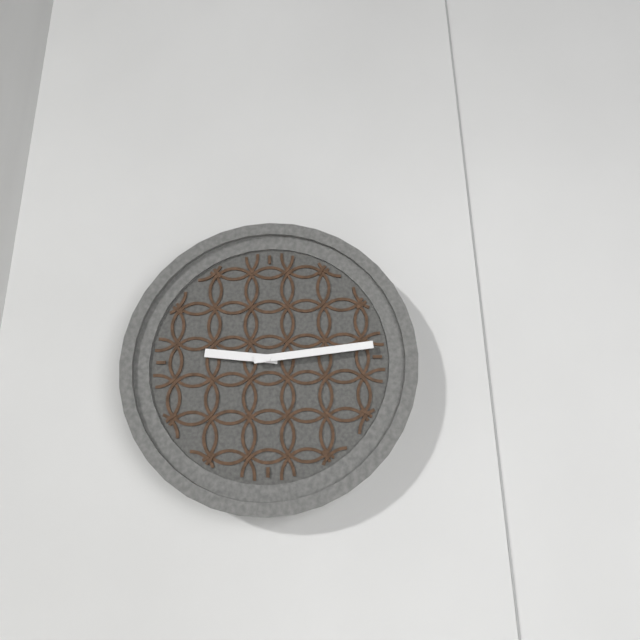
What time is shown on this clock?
9:14
